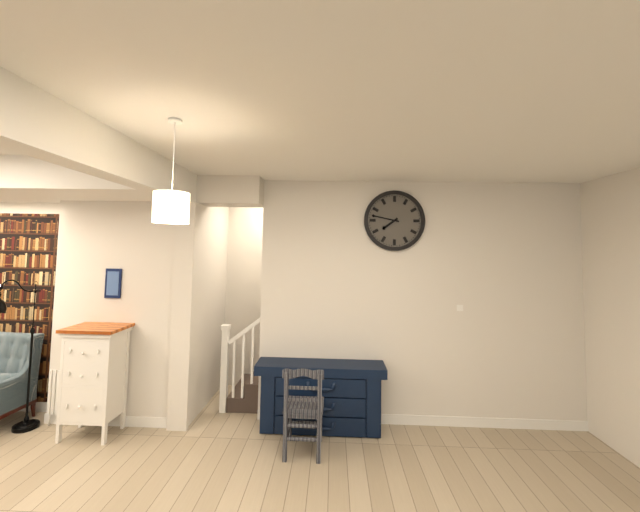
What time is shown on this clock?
7:47
